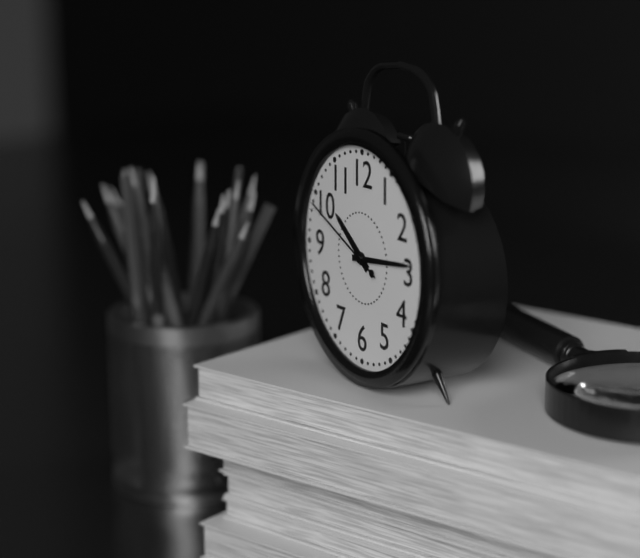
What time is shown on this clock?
10:14:49
